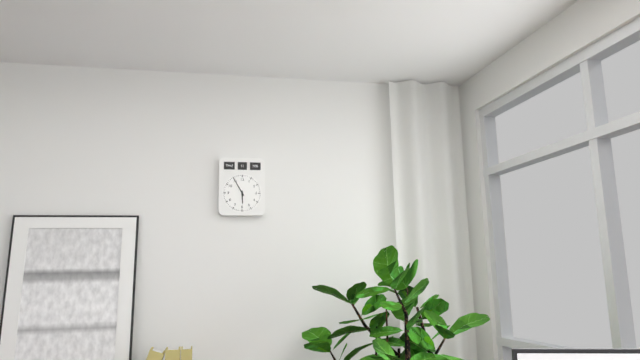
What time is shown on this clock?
5:55
